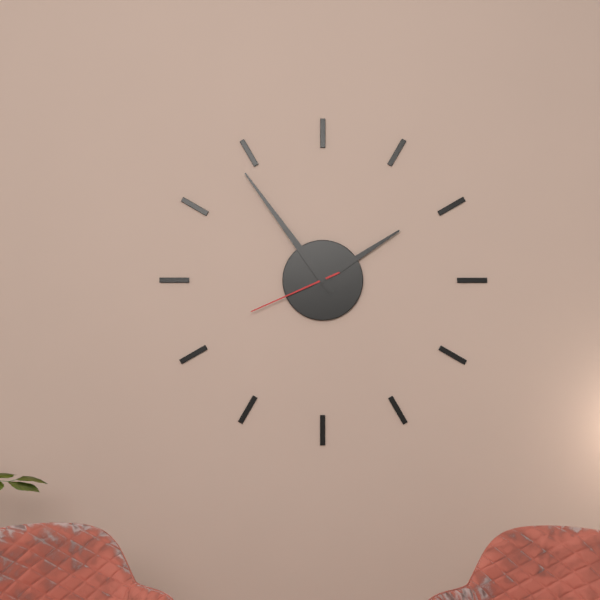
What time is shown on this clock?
1:54:41
